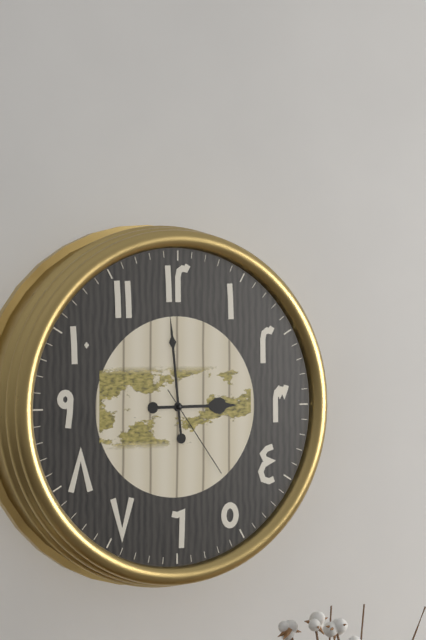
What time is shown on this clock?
2:59:24
